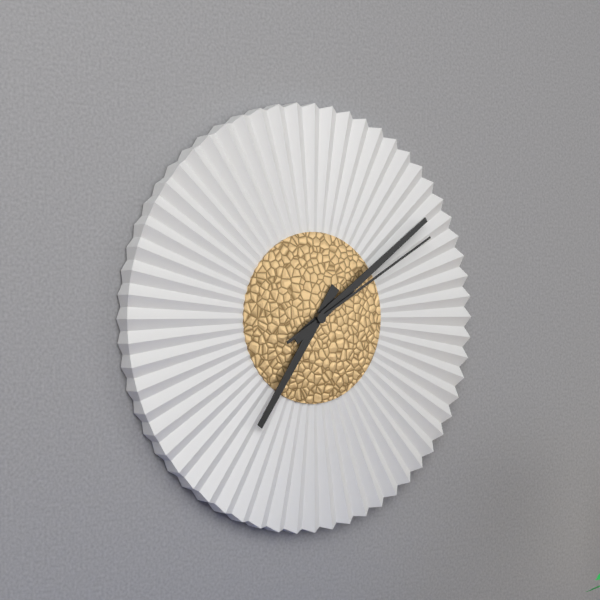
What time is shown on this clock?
7:09:10
